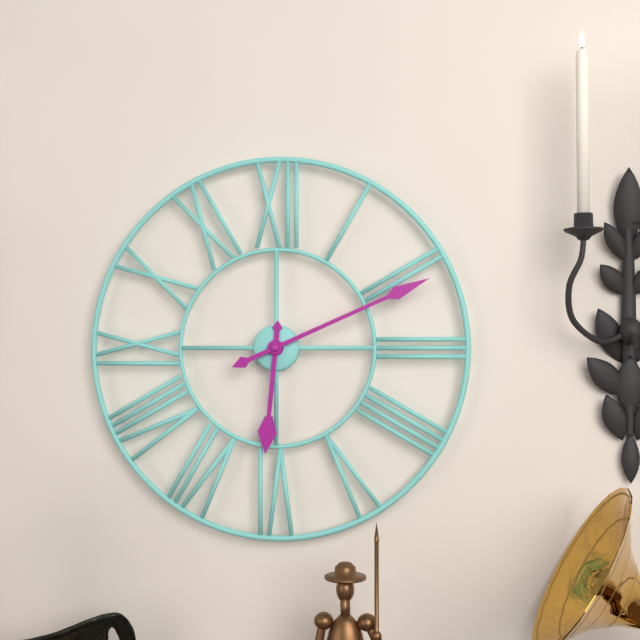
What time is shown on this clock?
6:11
